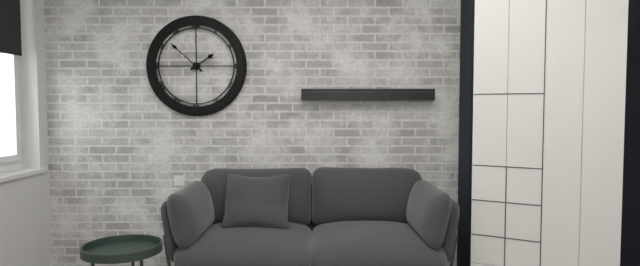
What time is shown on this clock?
1:52
